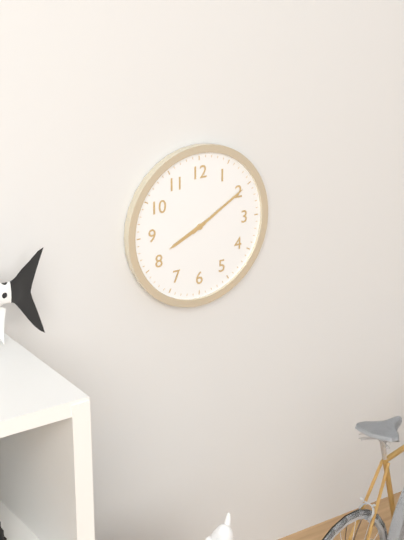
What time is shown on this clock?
8:10
